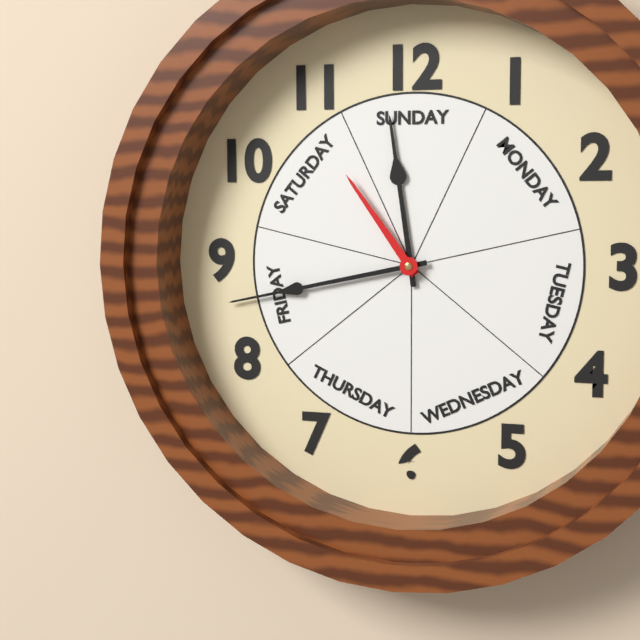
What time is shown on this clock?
11:43:54
